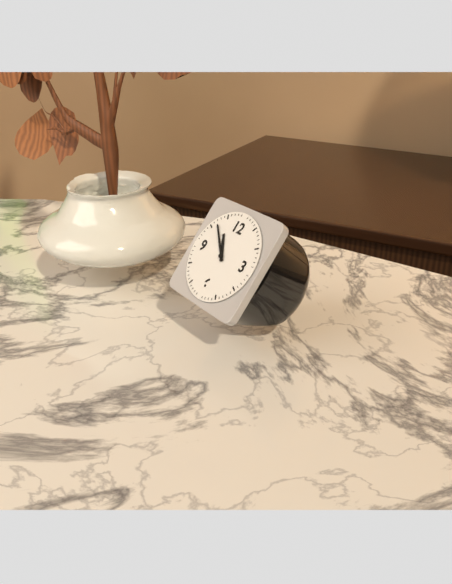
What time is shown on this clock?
10:52
